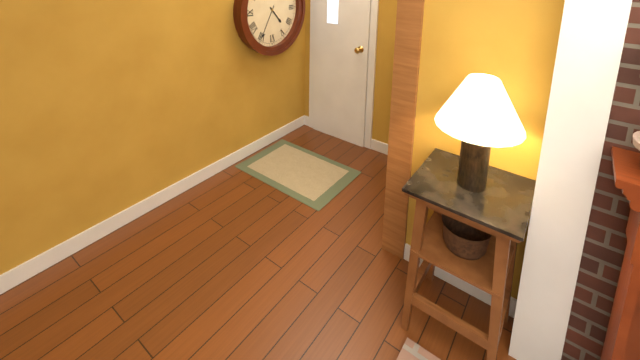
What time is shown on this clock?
4:35
